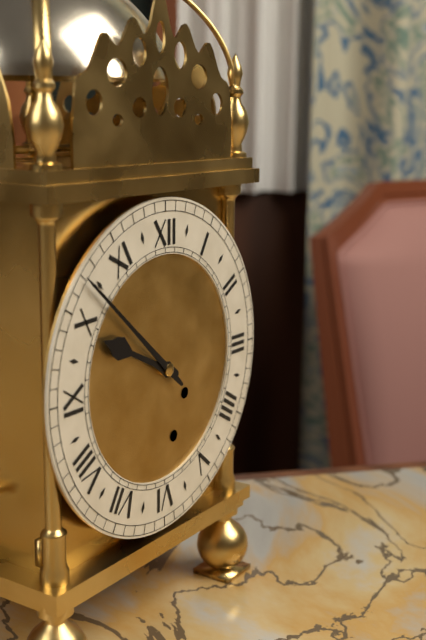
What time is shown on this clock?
9:52
